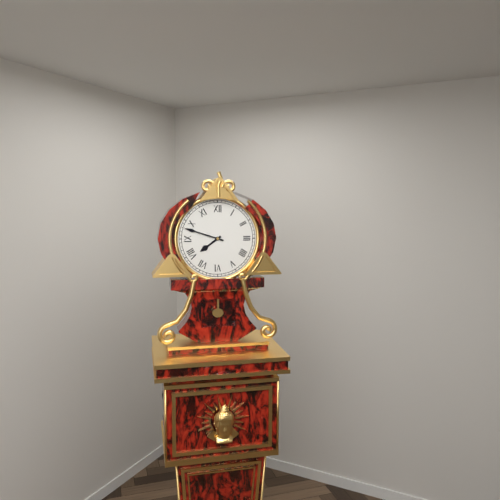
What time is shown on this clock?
7:48
